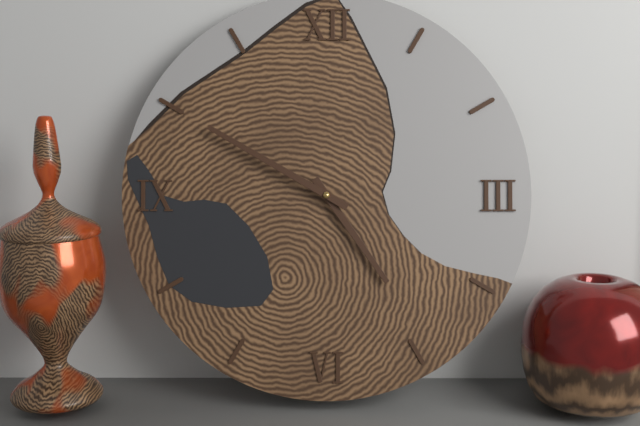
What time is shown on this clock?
4:50
